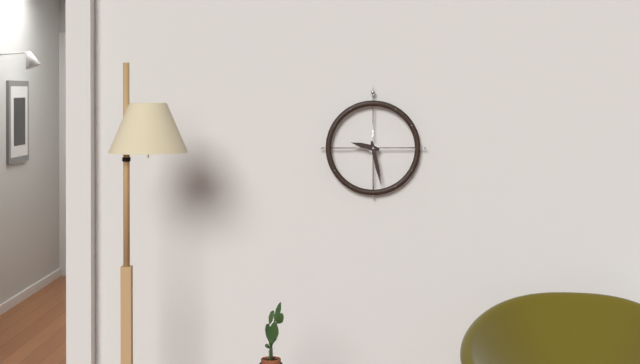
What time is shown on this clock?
9:28
